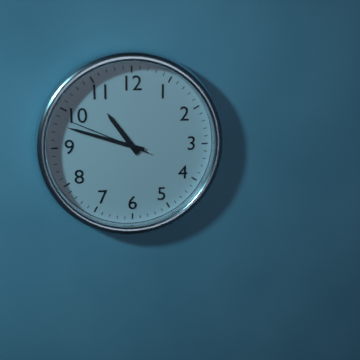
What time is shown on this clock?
10:48:49
